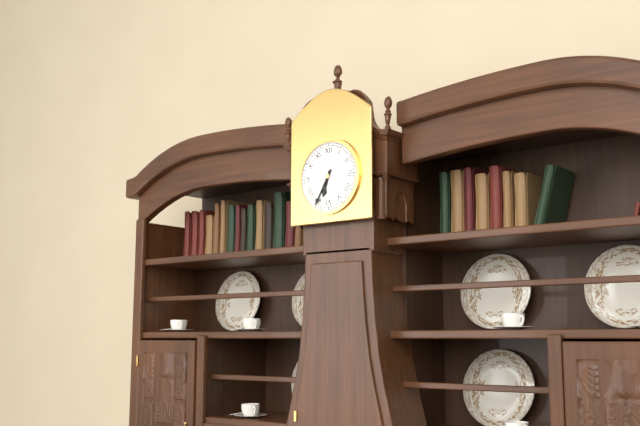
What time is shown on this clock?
6:35
